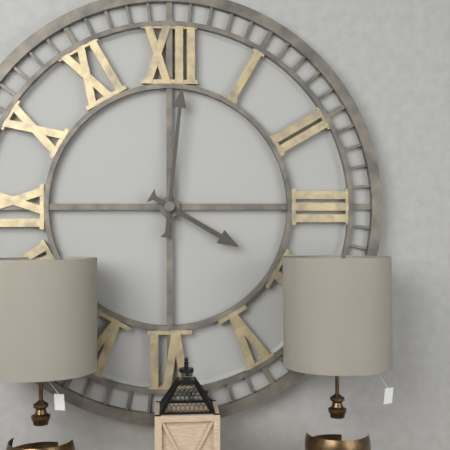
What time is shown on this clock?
4:01
